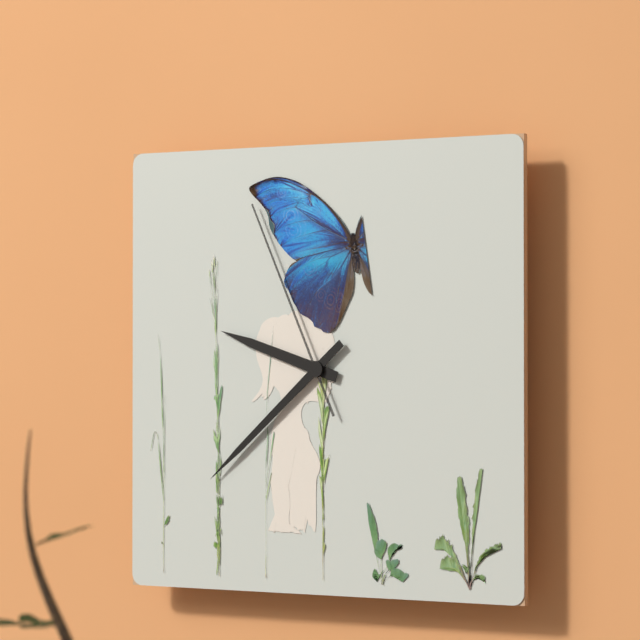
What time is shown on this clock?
9:38:56
